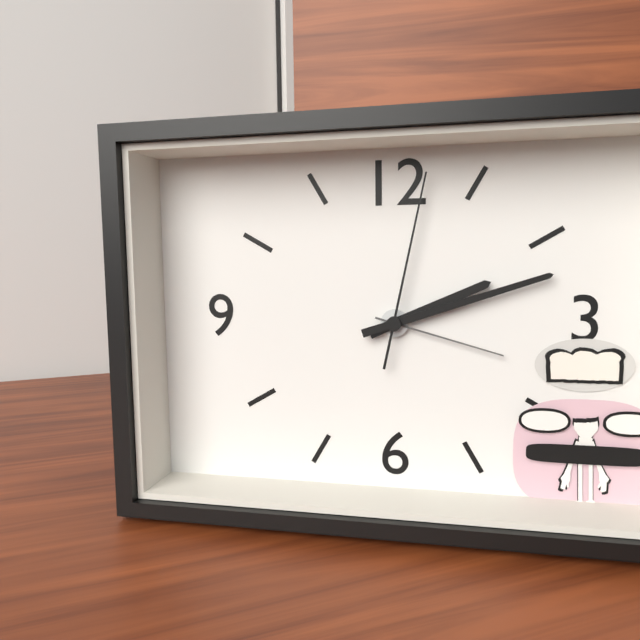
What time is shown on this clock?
2:12:02
